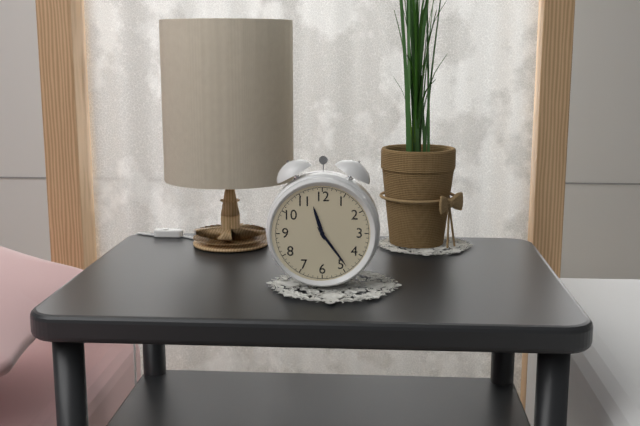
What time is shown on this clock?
11:24
